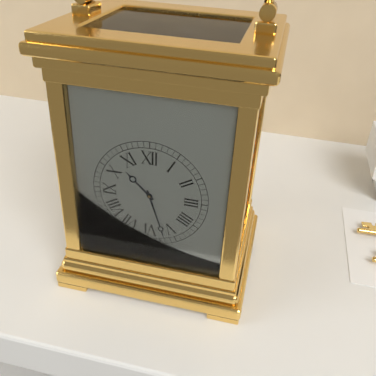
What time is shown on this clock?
10:27
